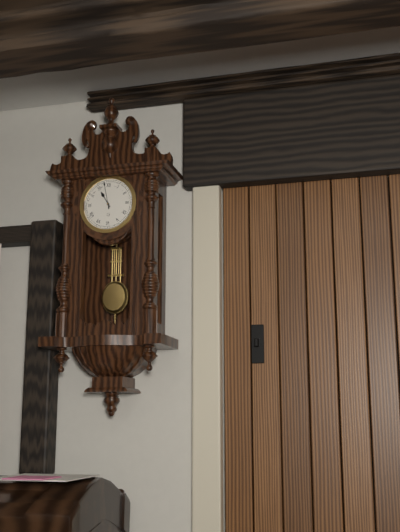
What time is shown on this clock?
10:58
